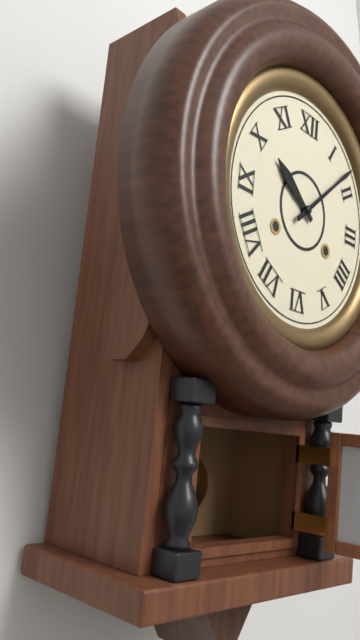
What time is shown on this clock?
10:08
